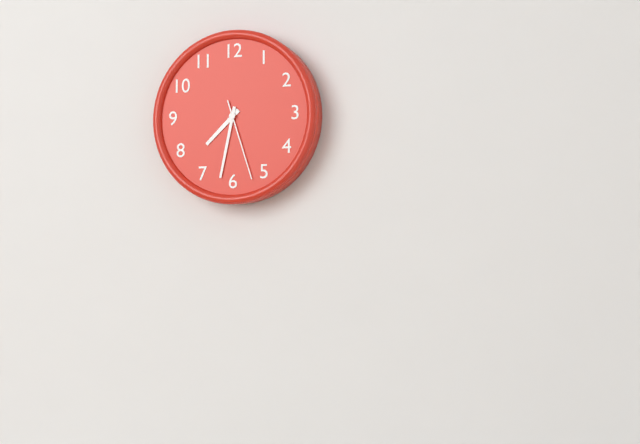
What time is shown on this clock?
7:32:27
